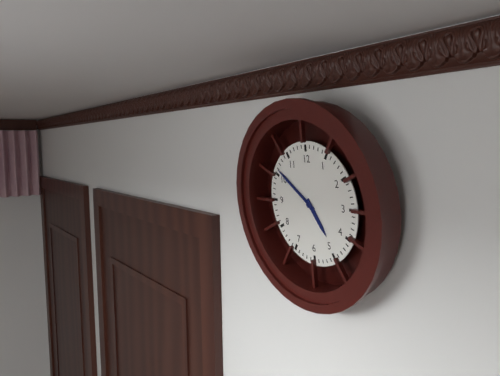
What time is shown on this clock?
4:51
